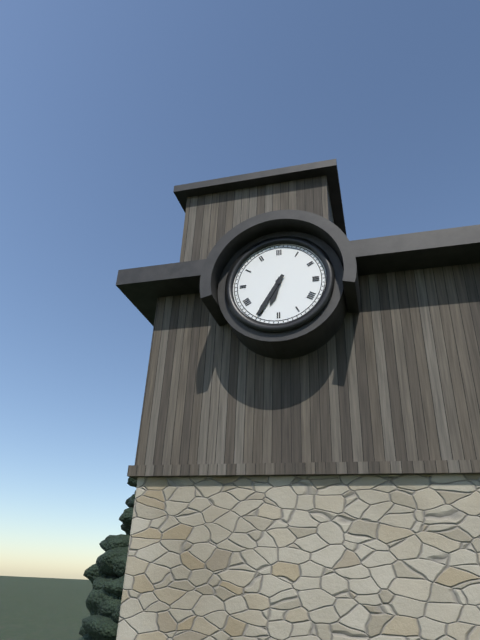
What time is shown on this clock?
6:35
